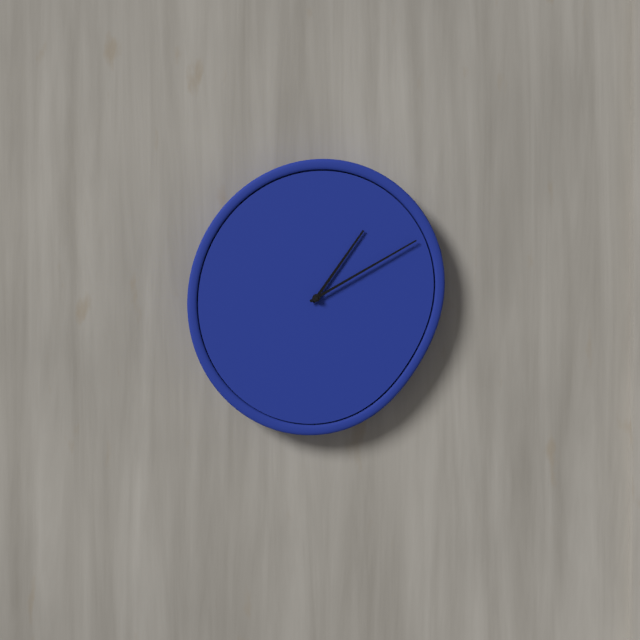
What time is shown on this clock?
1:10
